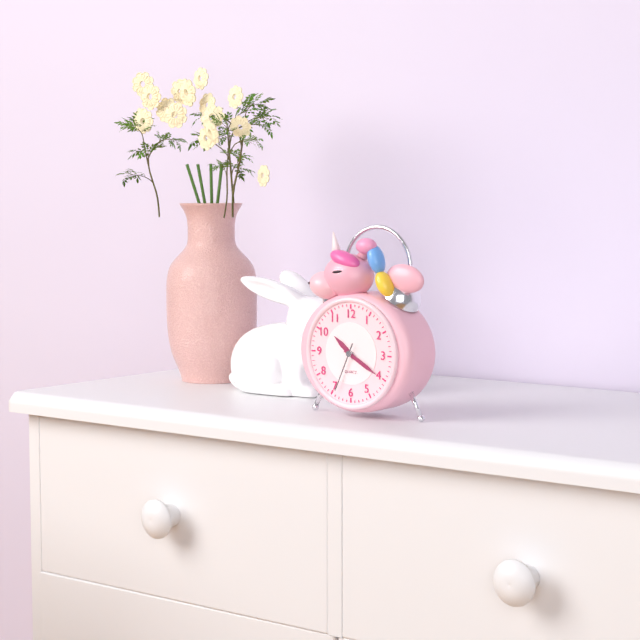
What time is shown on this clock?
10:20
